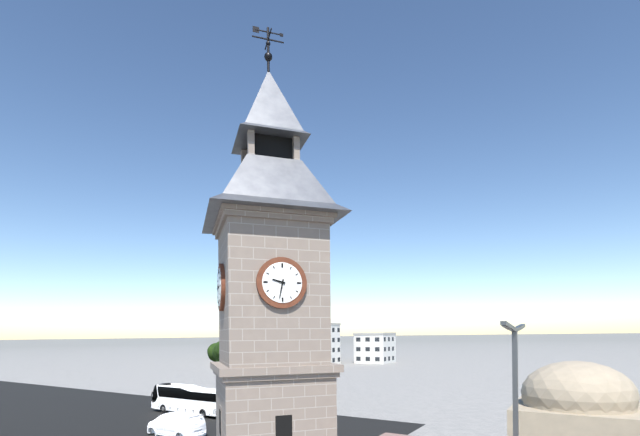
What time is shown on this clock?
9:32
